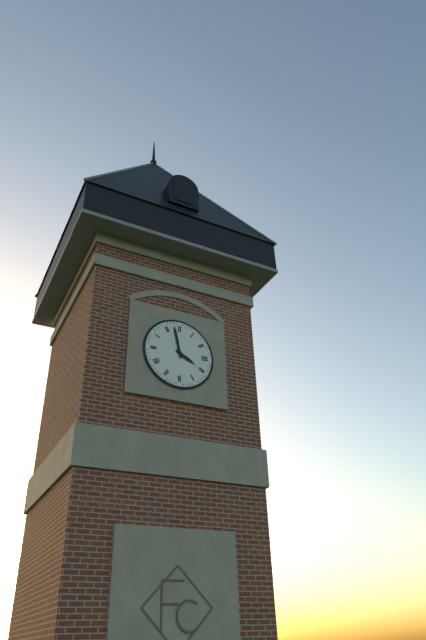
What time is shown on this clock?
3:58
